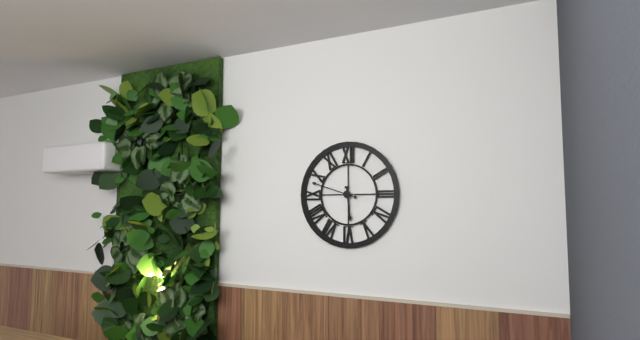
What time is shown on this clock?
5:48
